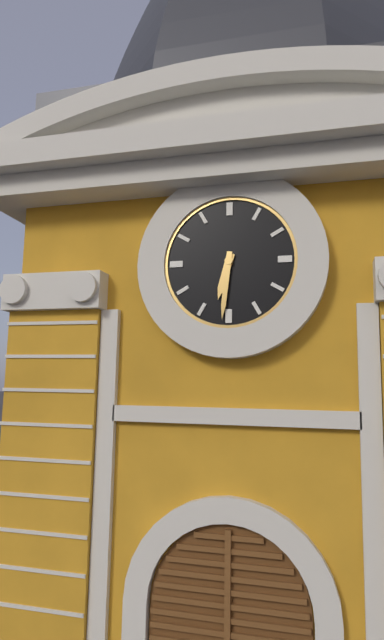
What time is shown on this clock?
6:31
